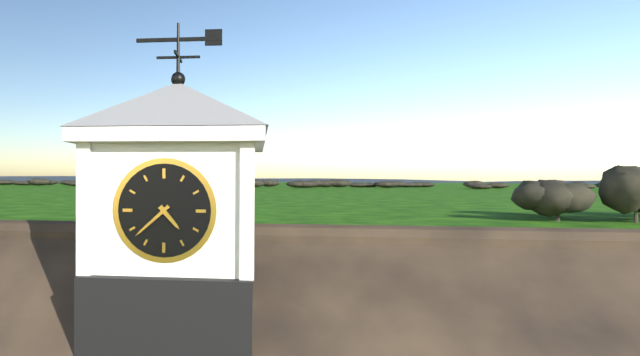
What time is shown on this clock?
4:38
